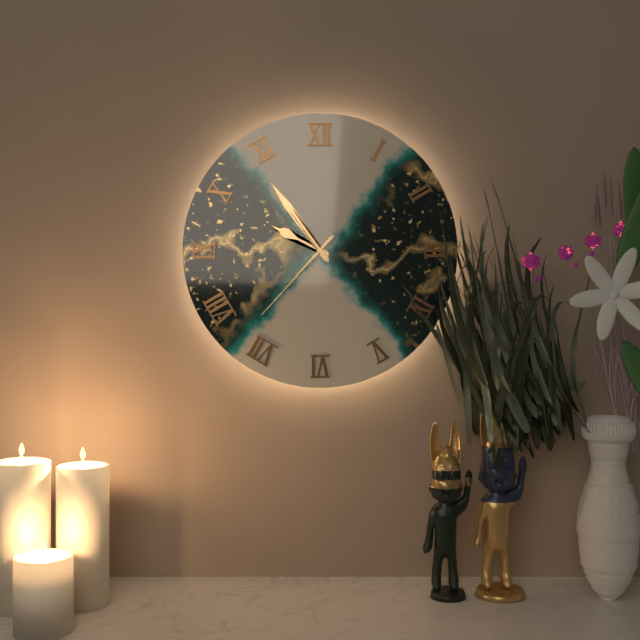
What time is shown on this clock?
9:54:37
